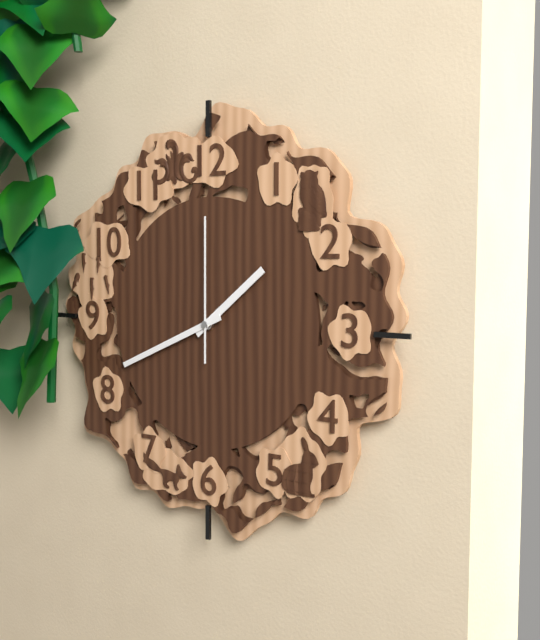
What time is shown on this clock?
1:41:00
